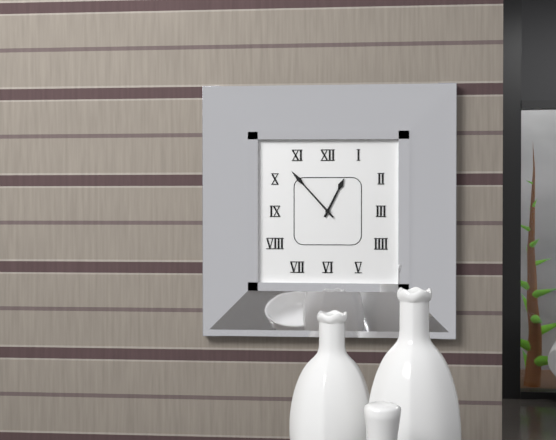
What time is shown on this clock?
12:53
